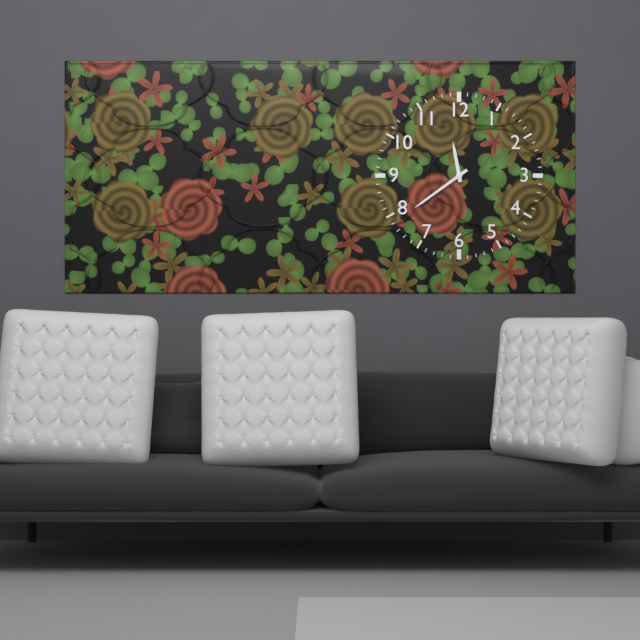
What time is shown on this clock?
11:39
